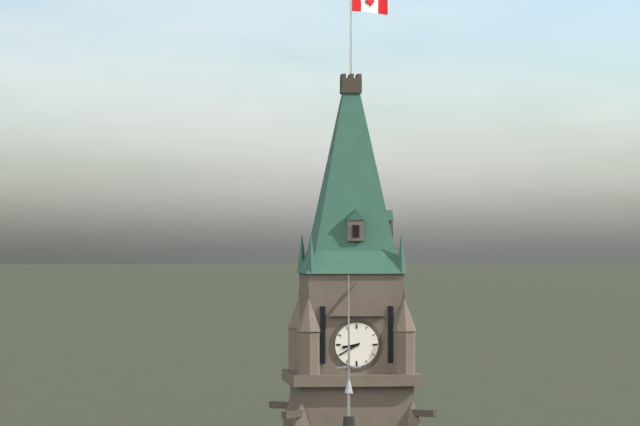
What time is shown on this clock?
8:40
